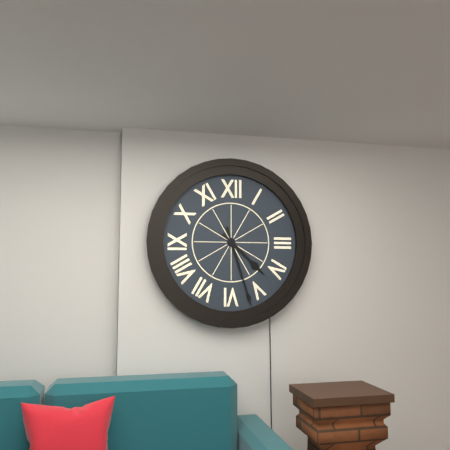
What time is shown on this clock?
4:27
